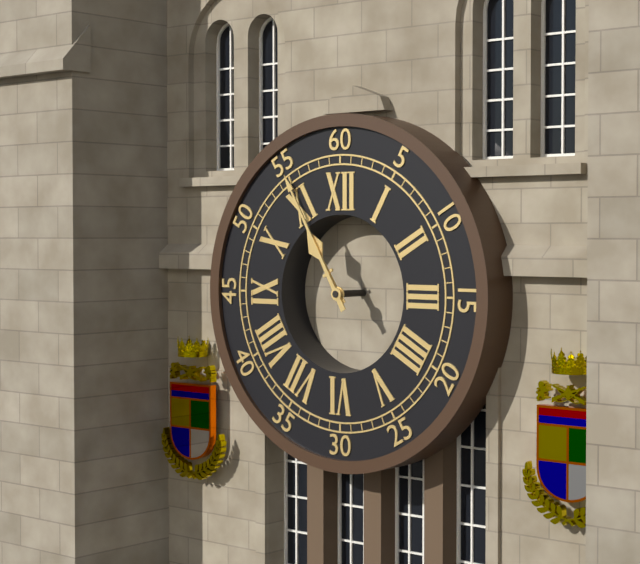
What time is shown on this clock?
10:55
